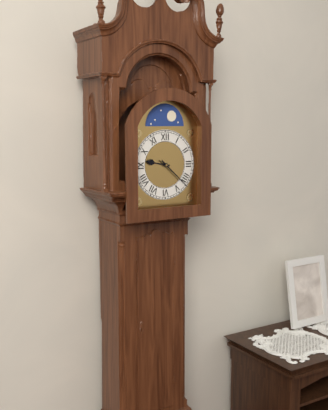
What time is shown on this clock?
9:22
